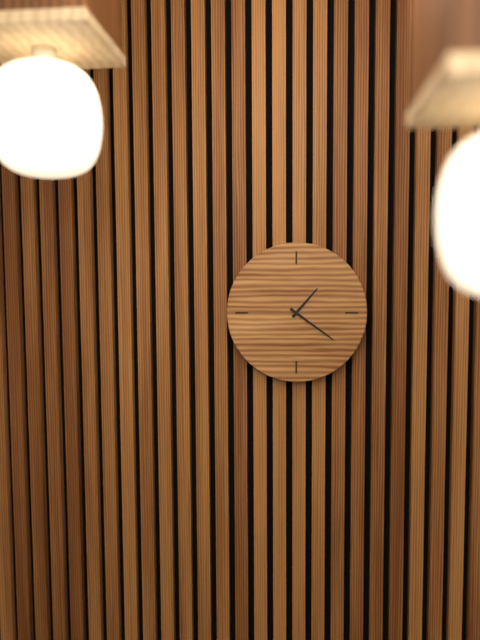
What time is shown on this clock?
1:21
